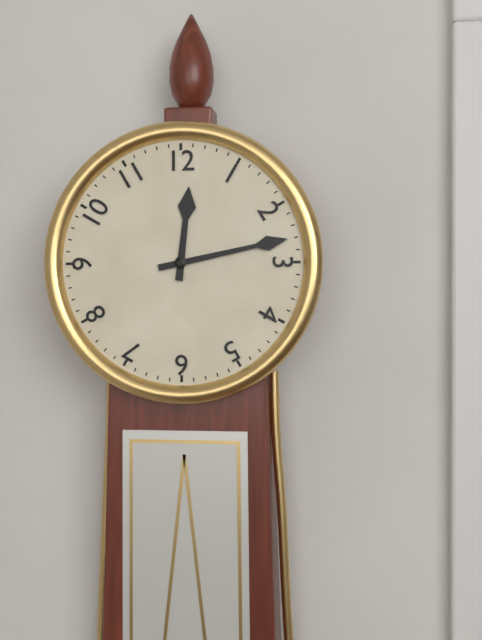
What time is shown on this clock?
12:13
